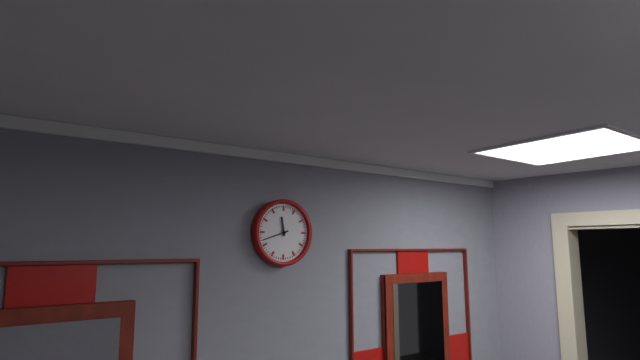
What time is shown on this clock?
11:42
